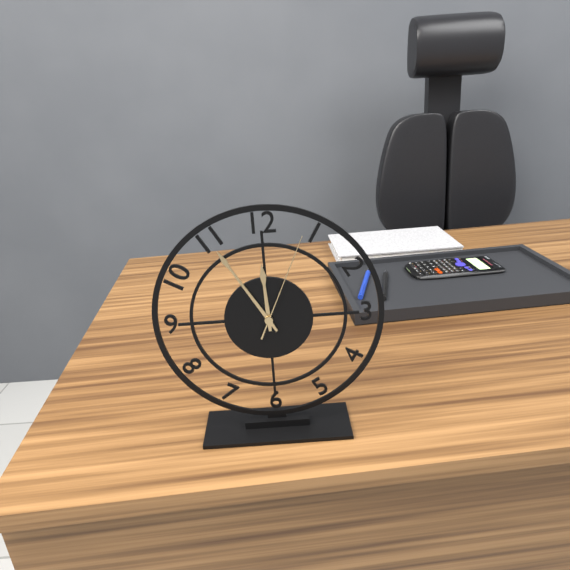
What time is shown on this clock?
11:55:04
